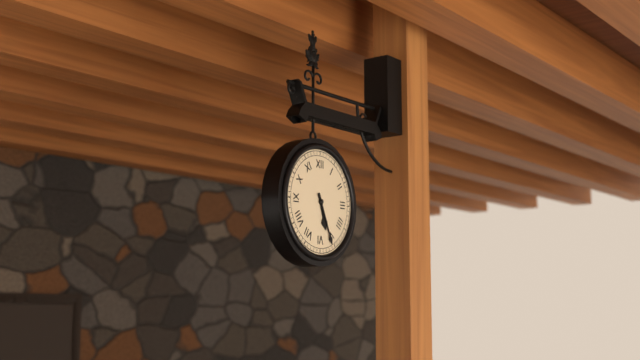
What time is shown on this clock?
5:26
